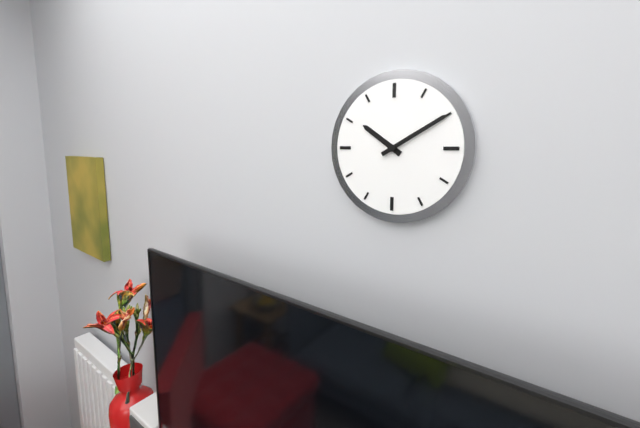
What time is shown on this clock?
10:10
